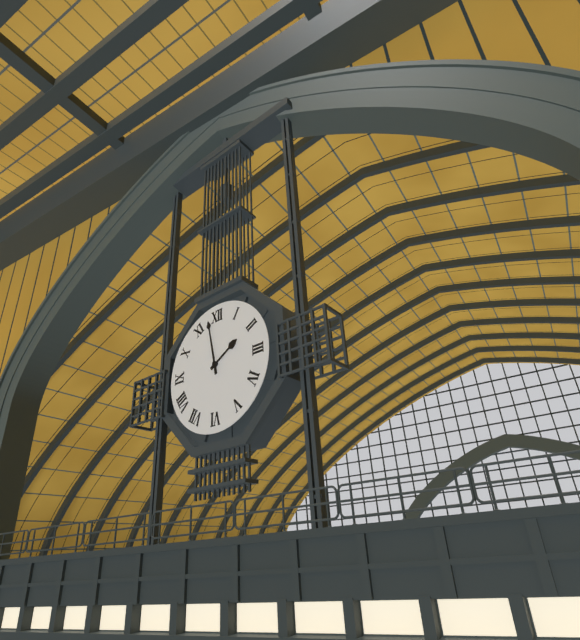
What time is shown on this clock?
1:58
